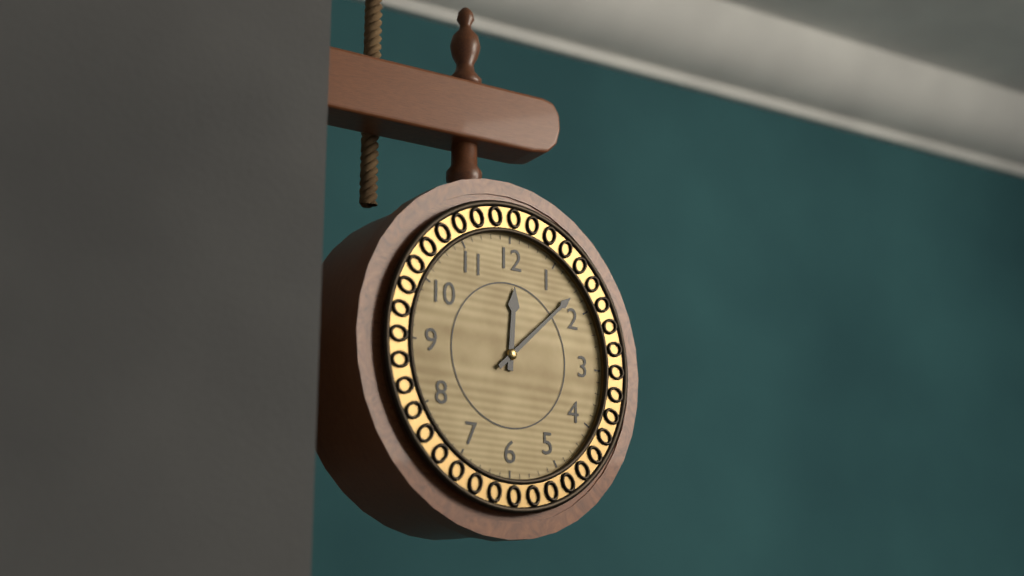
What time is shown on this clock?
12:08
